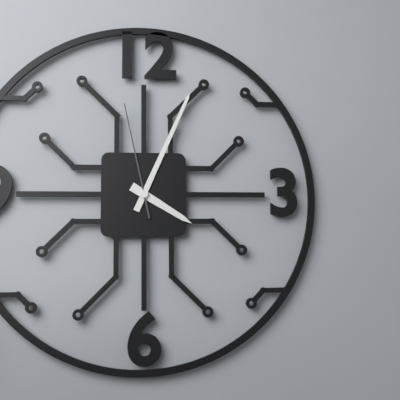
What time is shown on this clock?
4:04:58
